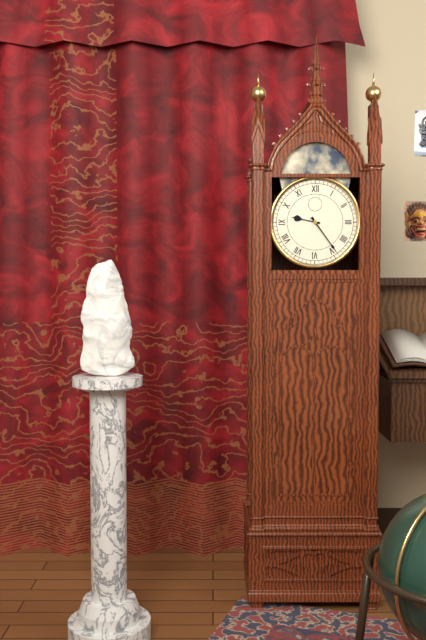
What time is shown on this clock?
9:24
